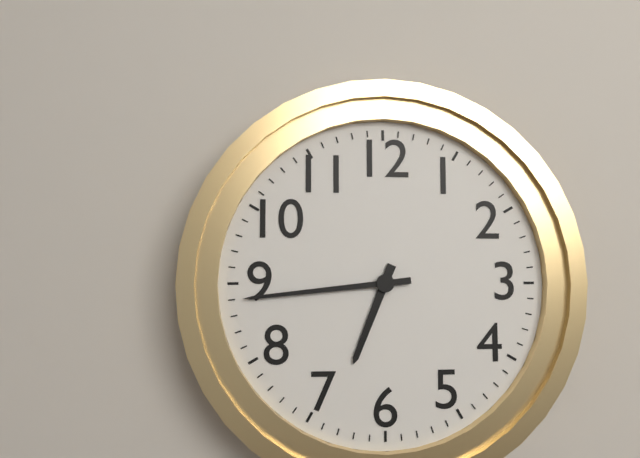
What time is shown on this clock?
6:44
